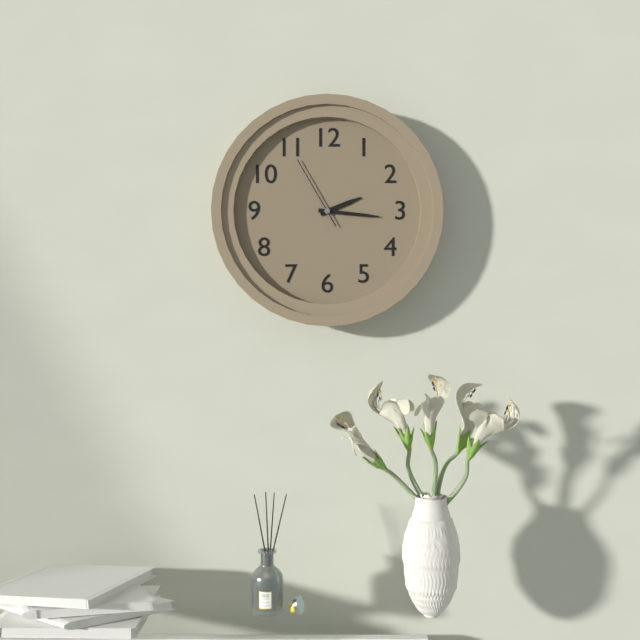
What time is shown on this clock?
2:16:55
